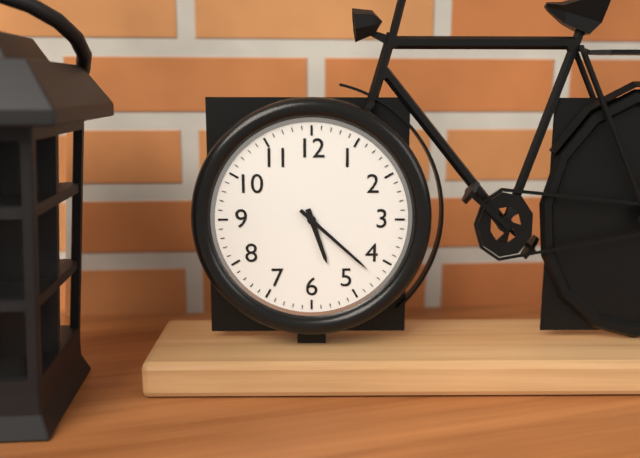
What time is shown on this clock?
5:22
